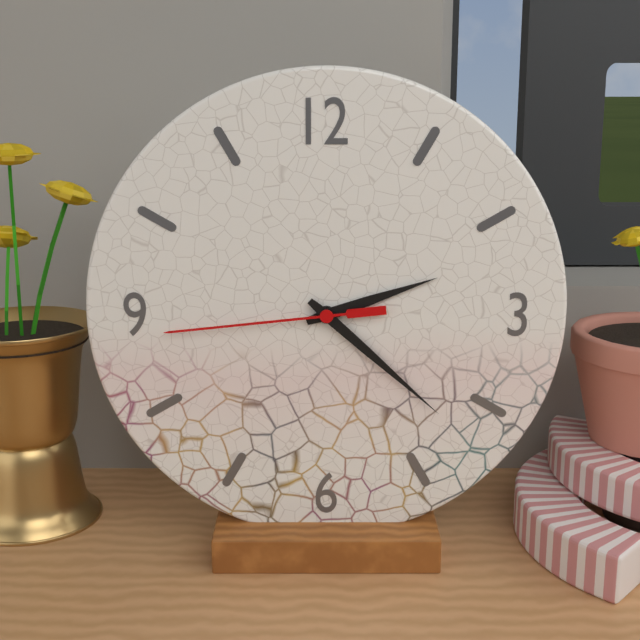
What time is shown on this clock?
2:22:44
